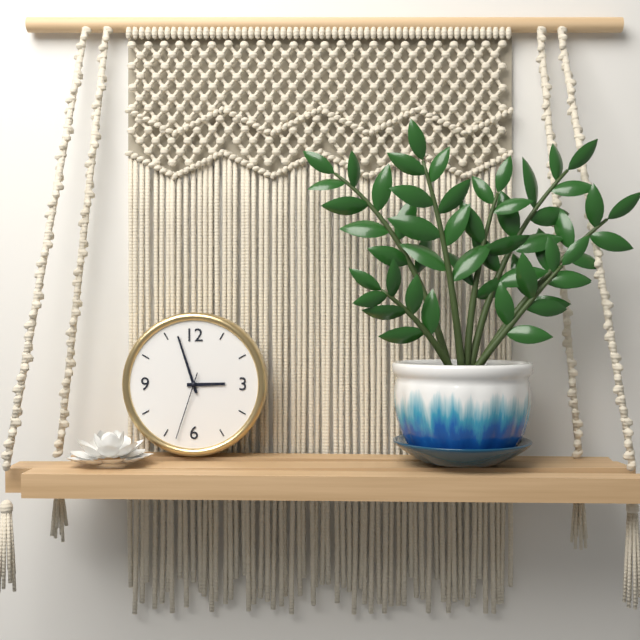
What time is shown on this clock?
2:57:33
